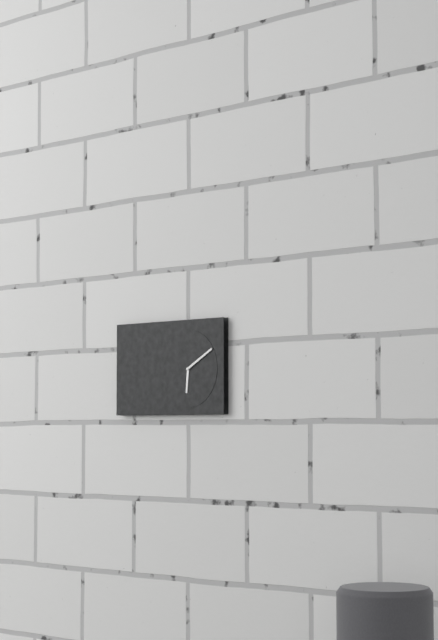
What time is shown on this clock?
6:10
